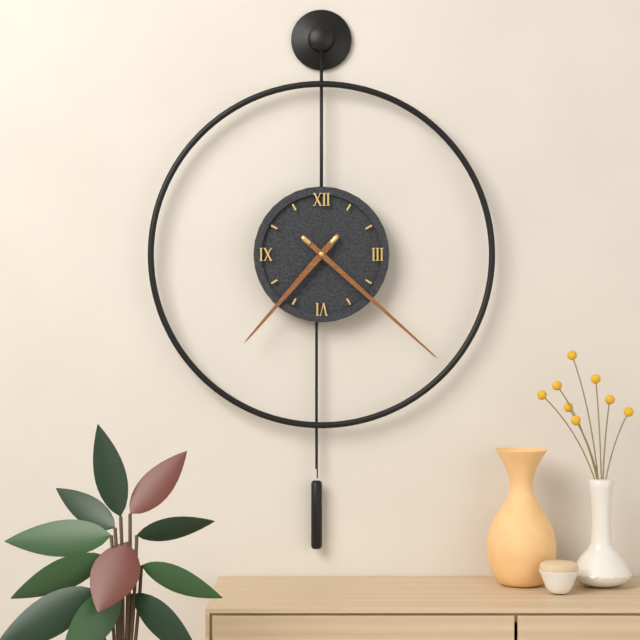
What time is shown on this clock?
7:22
